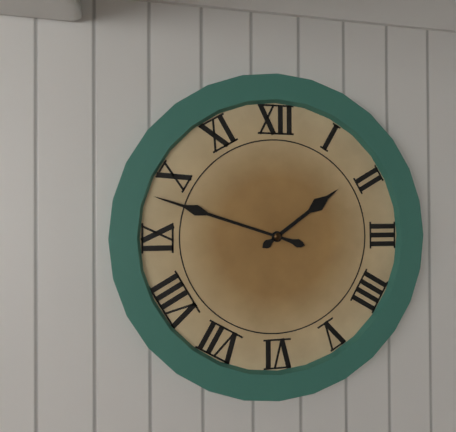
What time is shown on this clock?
1:48
